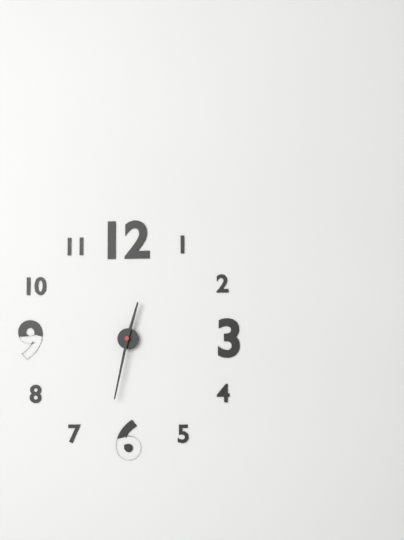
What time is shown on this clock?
12:32
